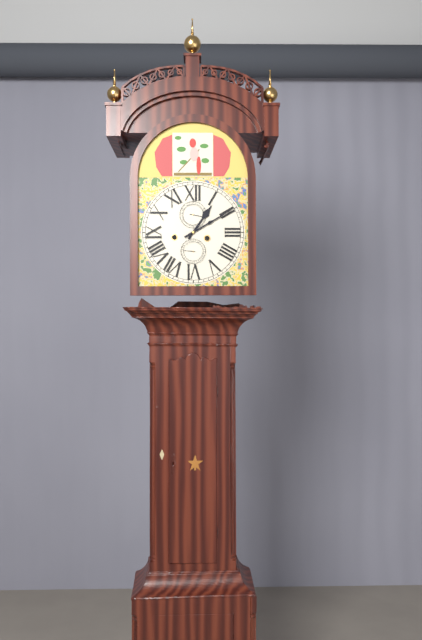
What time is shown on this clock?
1:10
